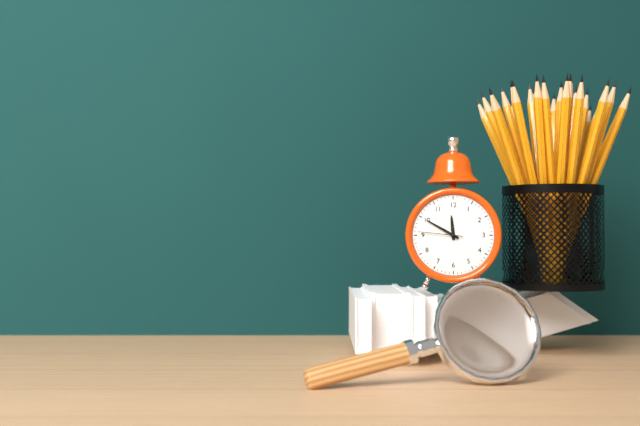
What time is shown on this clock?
11:50
